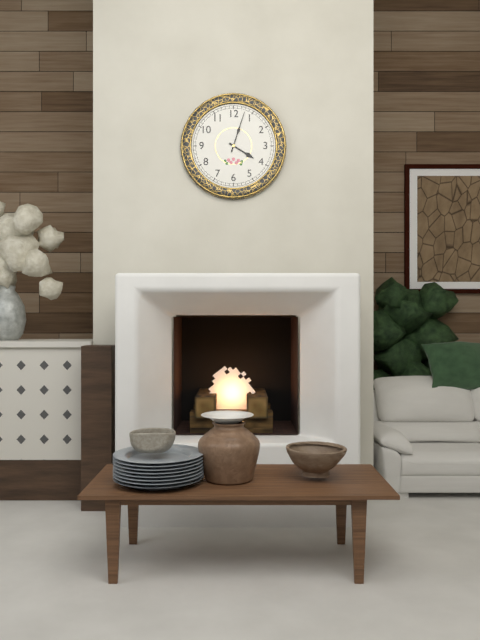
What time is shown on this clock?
4:03
